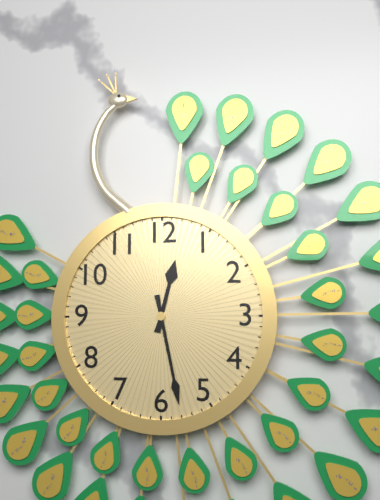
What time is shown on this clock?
12:28
